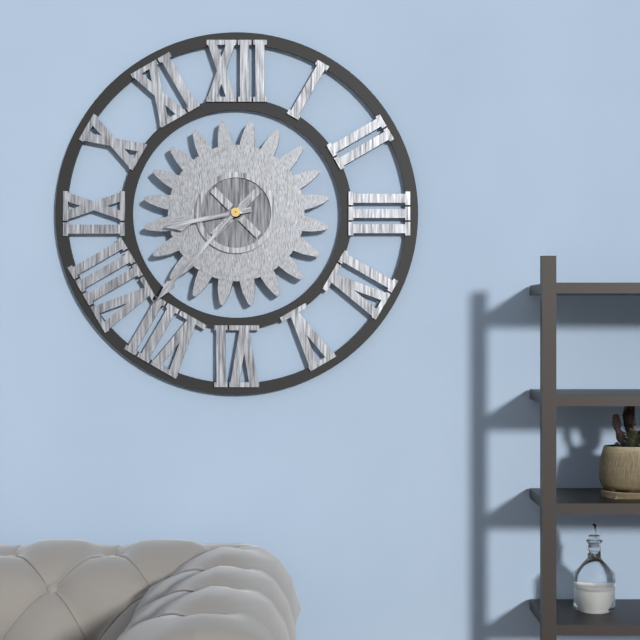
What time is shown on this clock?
8:37
